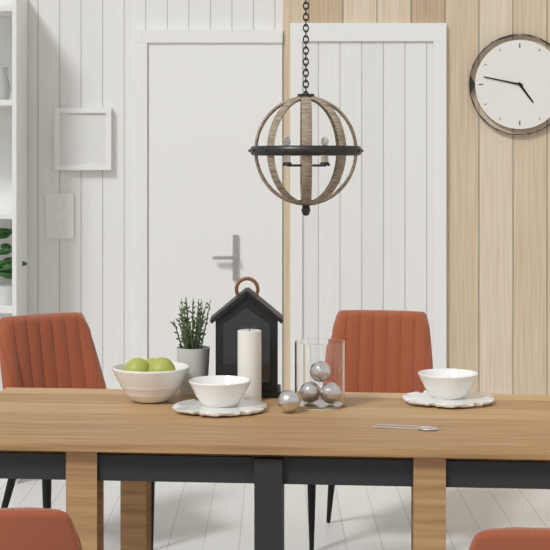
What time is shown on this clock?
4:47
